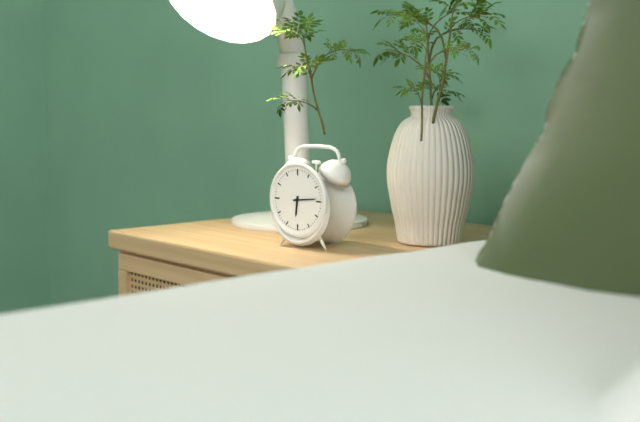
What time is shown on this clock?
6:14
